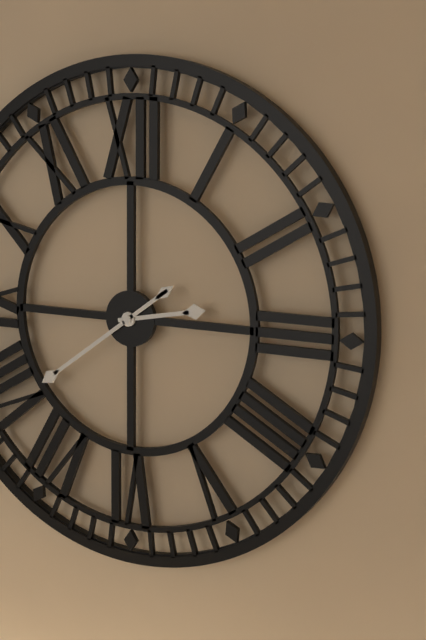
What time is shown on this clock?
2:39
